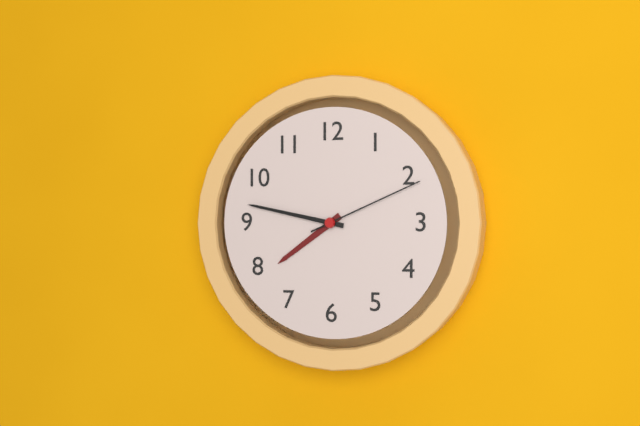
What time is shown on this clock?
7:47:11
